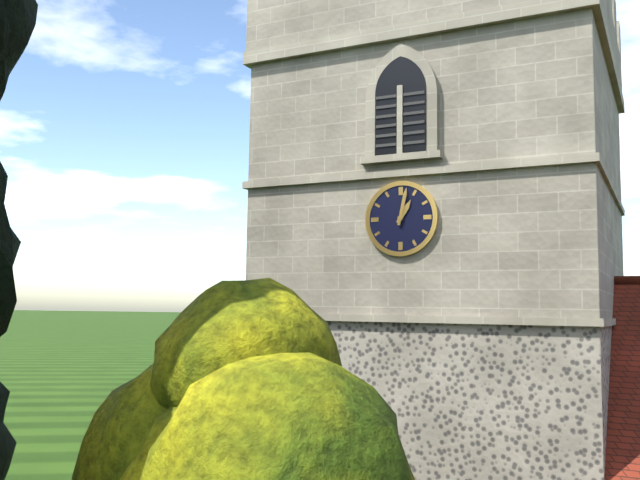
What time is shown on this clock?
1:02
